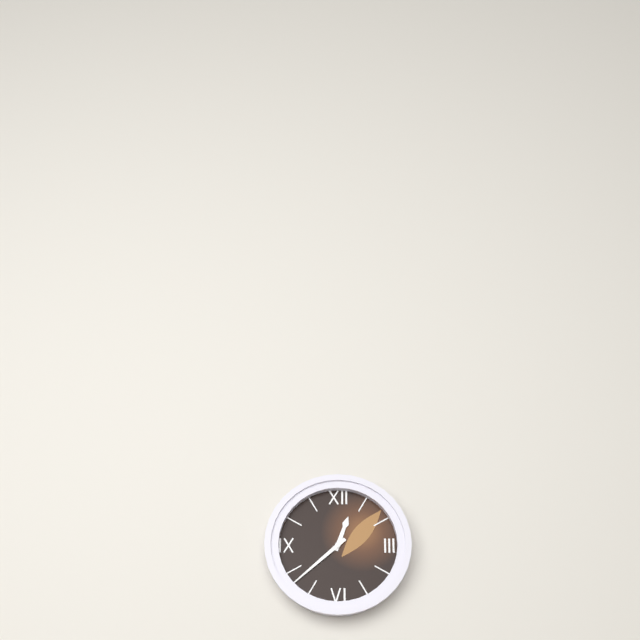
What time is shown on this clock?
12:38
